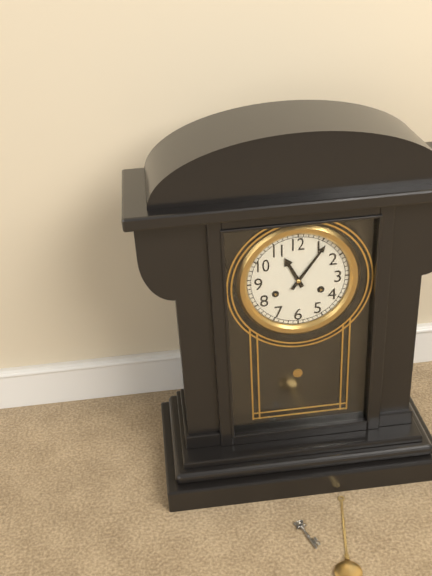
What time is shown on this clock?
11:06
